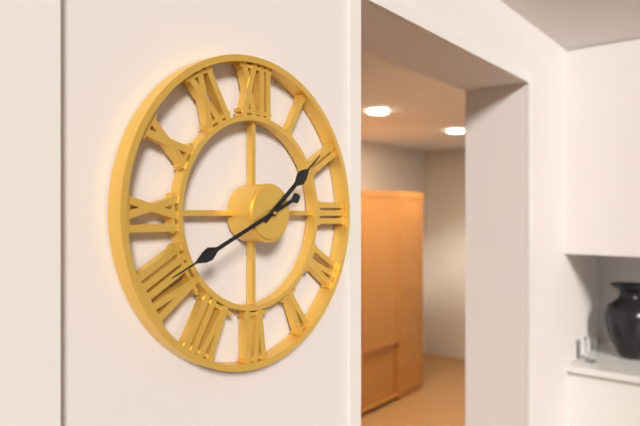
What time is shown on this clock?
1:41
